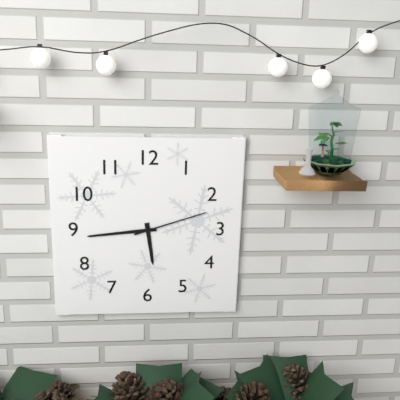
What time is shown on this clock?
5:44:12
